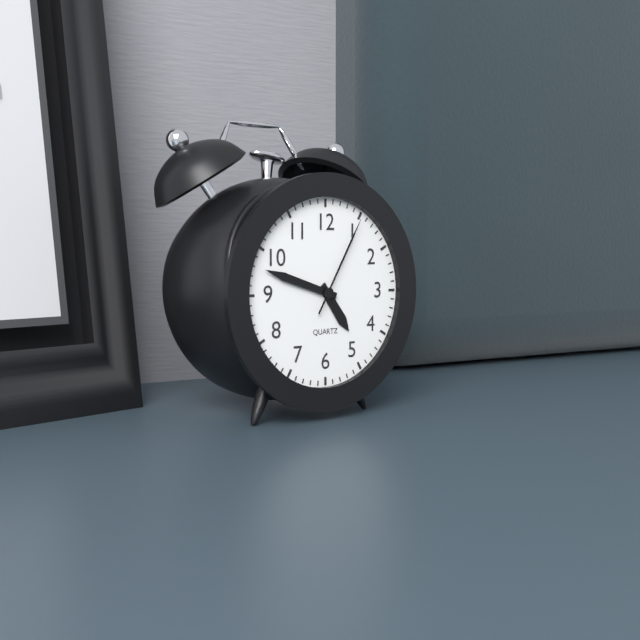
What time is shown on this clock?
4:48:05
